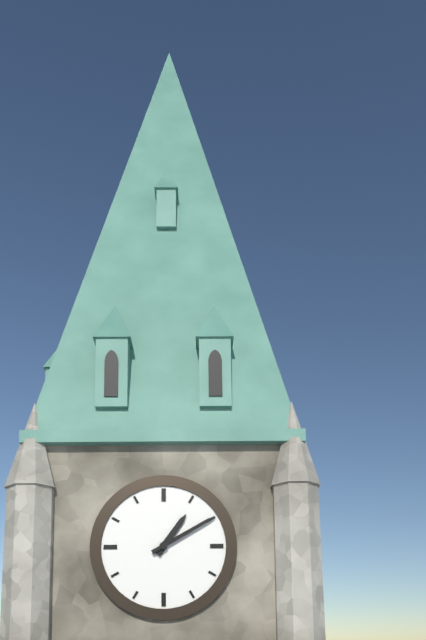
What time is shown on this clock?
1:10
